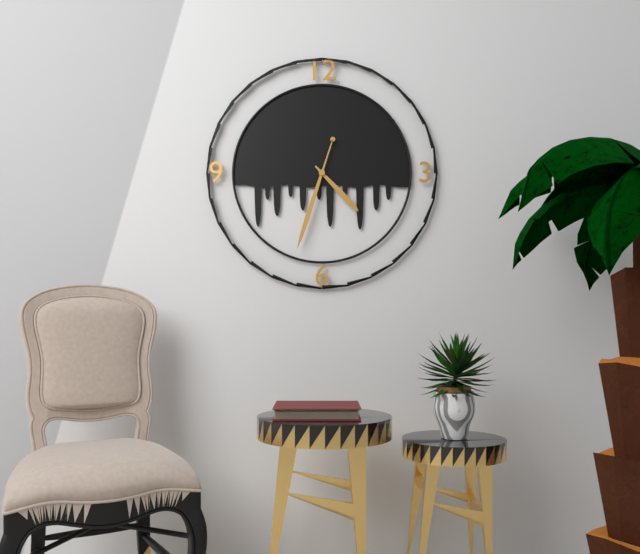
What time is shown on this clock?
4:33
